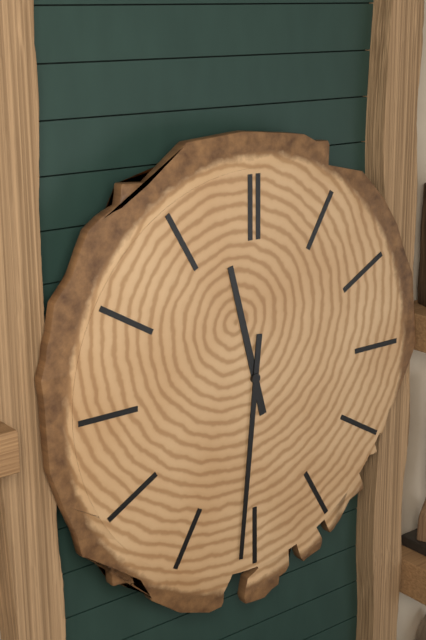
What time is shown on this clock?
11:31
